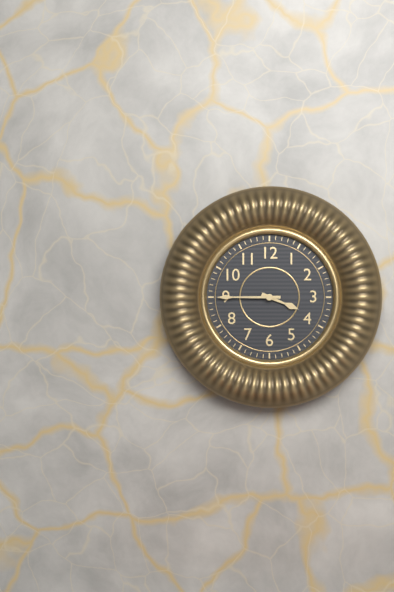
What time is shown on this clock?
3:45
